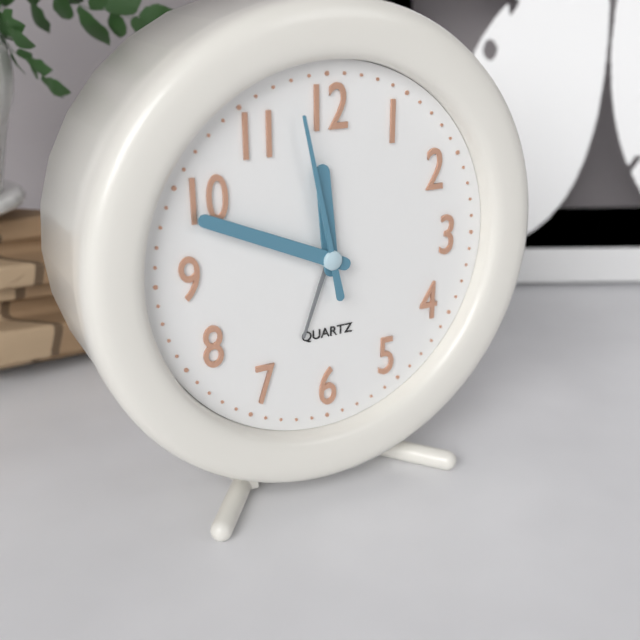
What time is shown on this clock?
11:49:58
